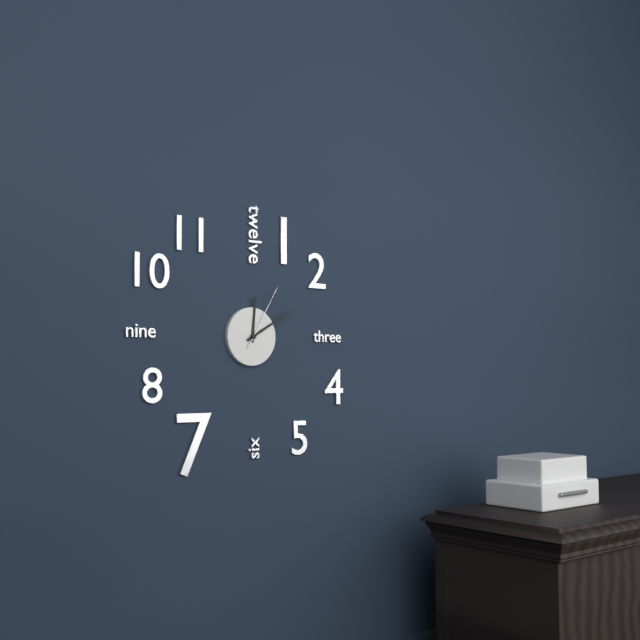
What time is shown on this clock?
12:10:05
